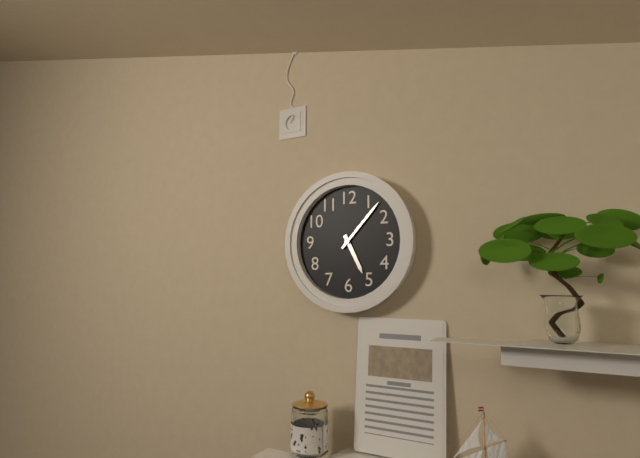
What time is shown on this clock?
5:07
